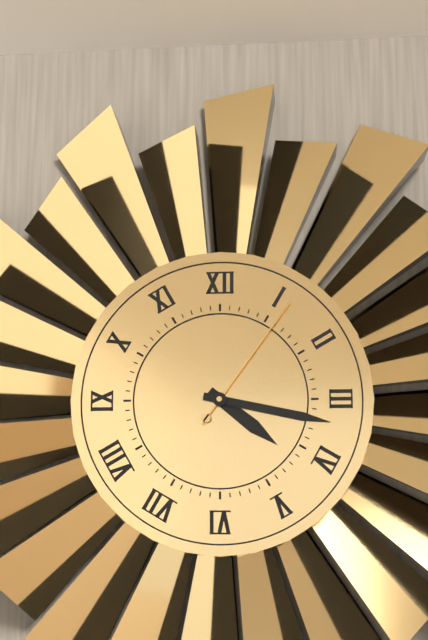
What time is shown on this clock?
4:17:06
